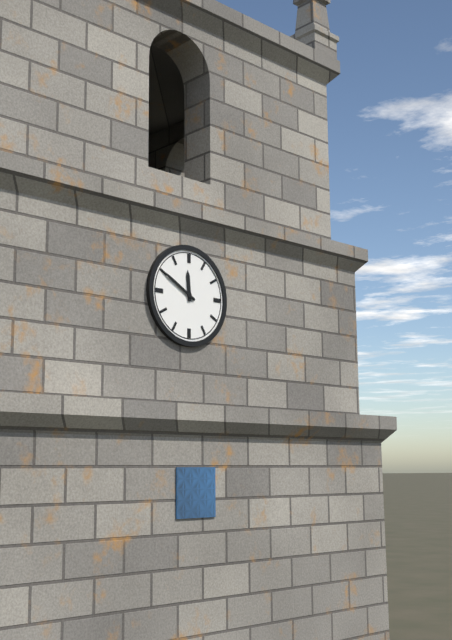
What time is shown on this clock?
11:50
